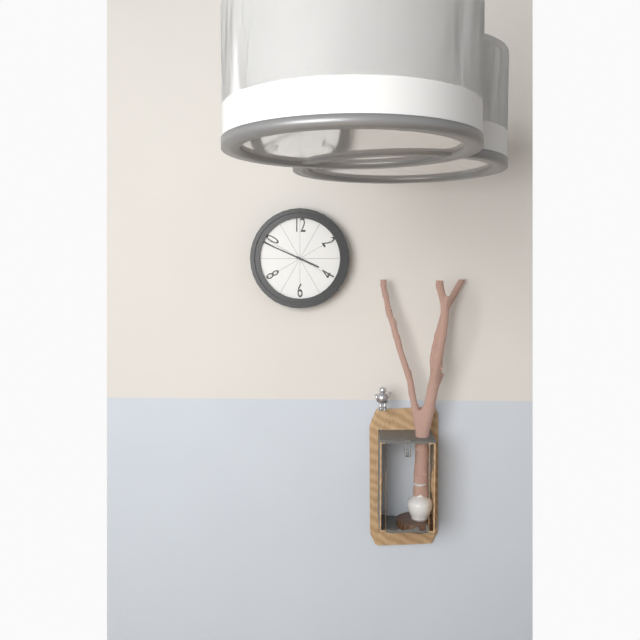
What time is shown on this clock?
3:49
